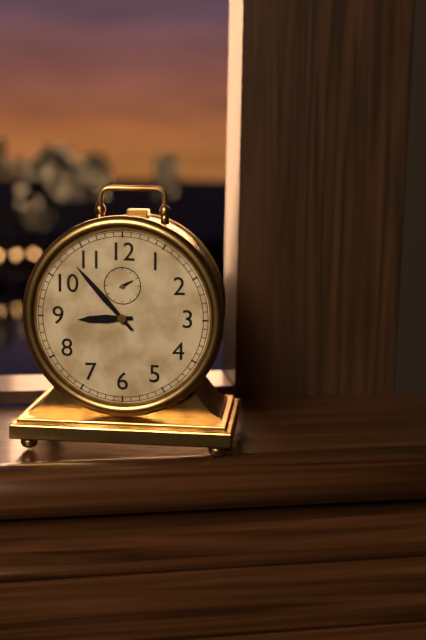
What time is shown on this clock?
8:53
